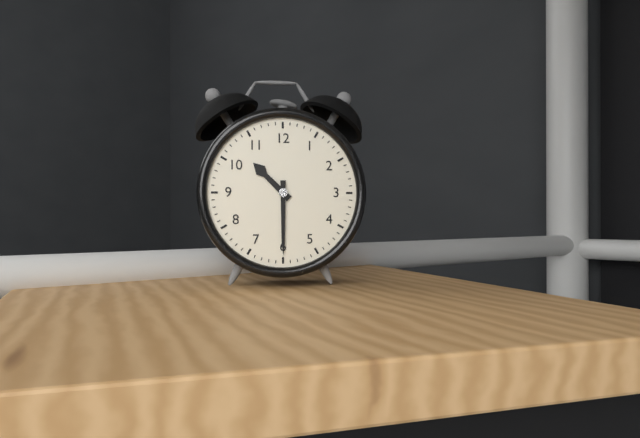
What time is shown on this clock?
10:30
